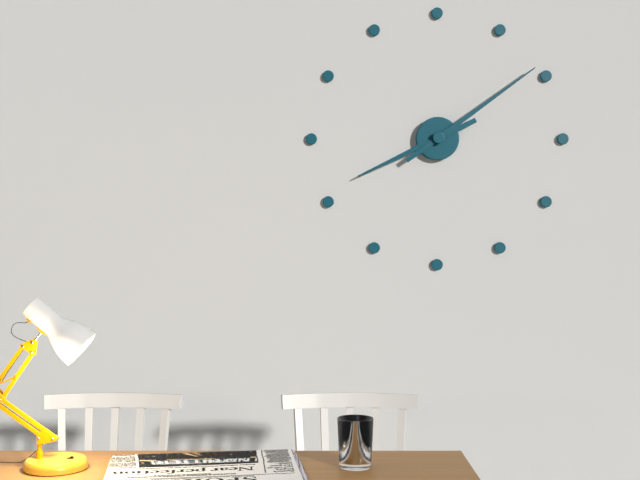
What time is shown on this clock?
8:09
